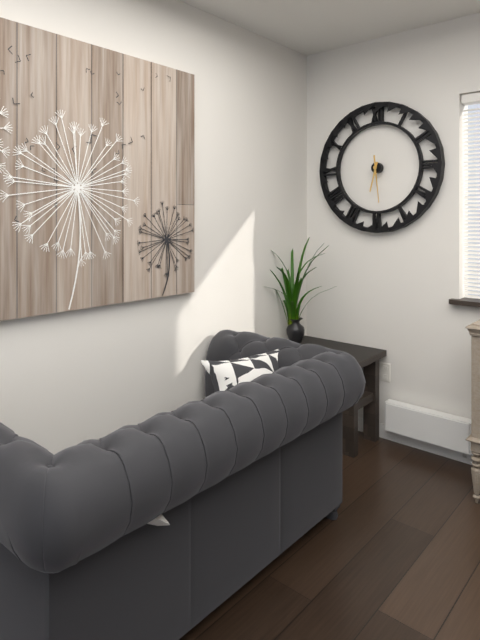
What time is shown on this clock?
6:29
